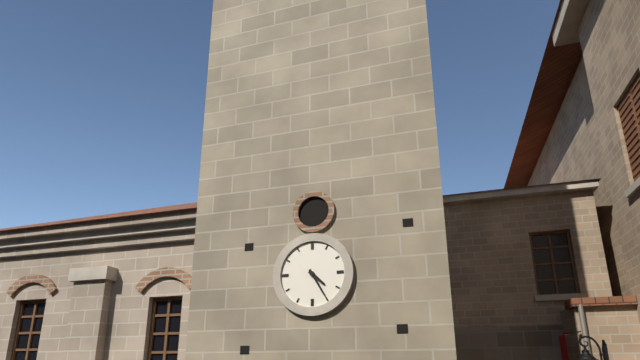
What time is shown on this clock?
4:25
